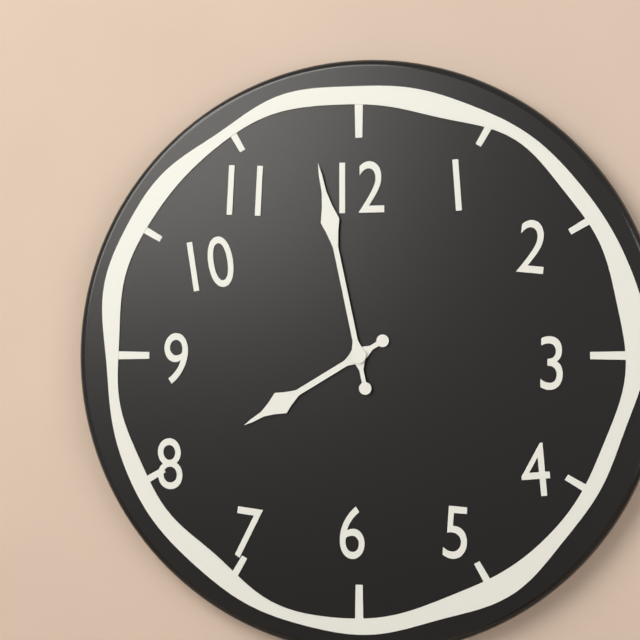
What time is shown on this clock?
7:58
